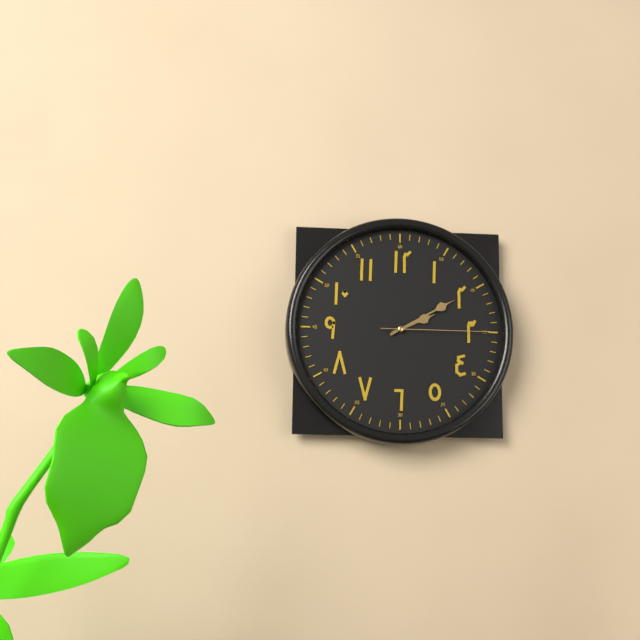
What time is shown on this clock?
2:10:15
